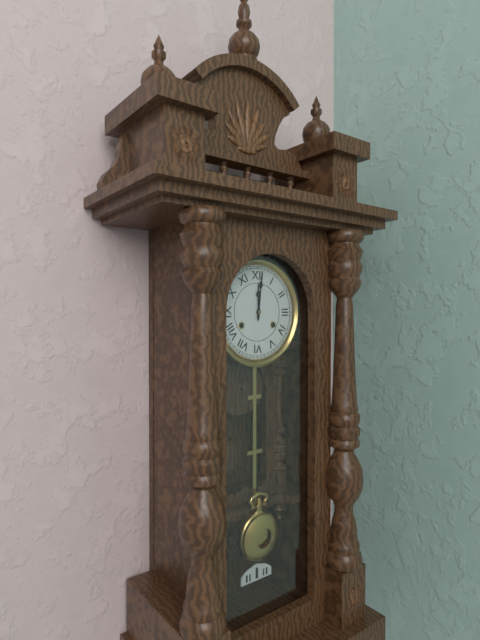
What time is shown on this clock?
12:01
